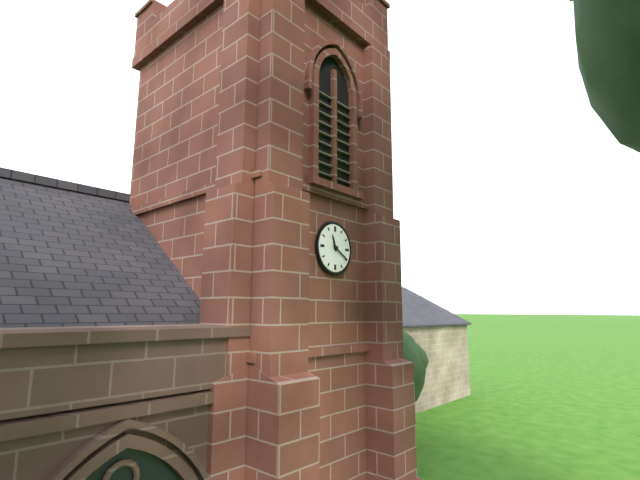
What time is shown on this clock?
11:20
